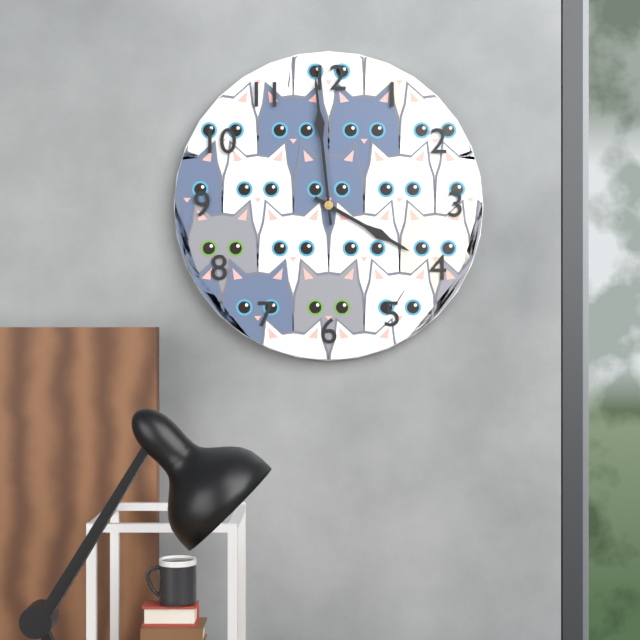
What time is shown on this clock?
3:59
